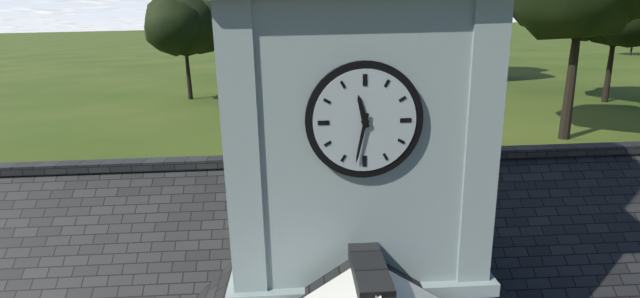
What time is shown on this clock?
11:32
